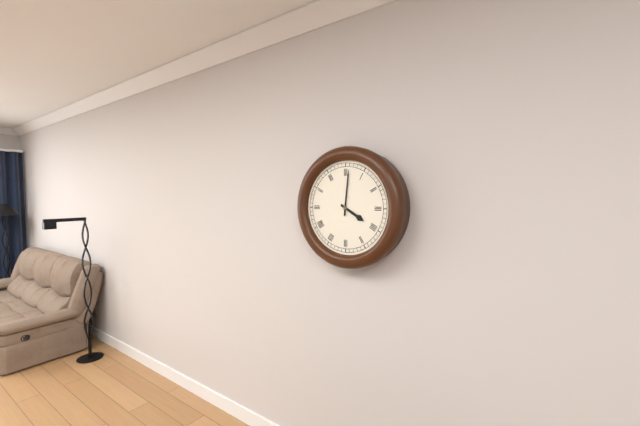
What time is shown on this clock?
4:01
